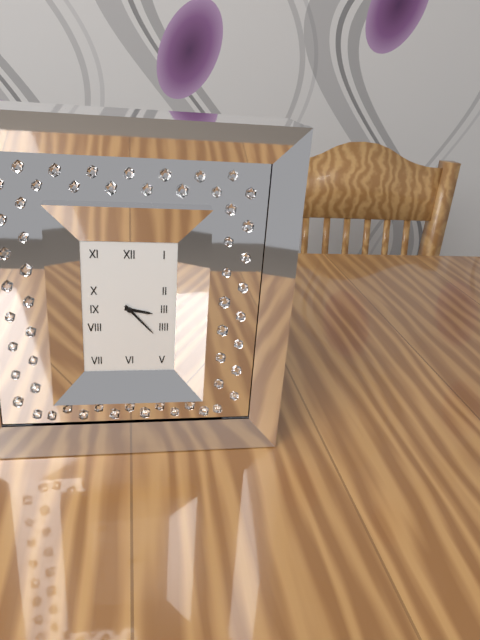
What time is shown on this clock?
3:23
